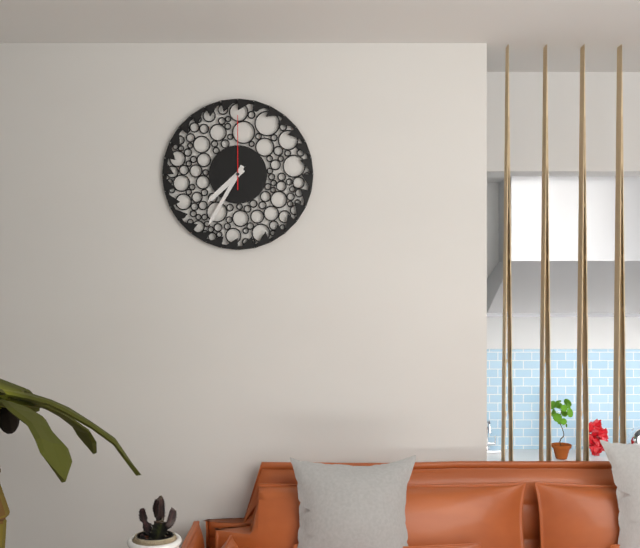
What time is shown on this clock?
7:35:00
